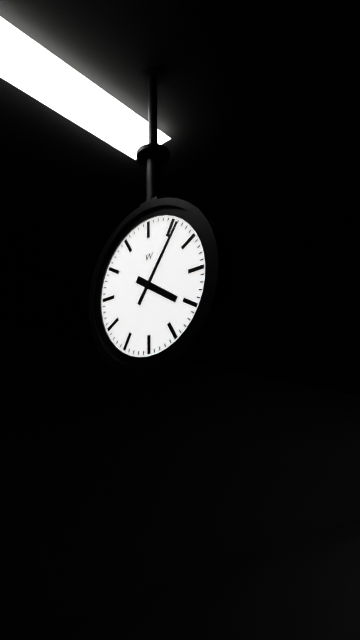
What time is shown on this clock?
4:06
